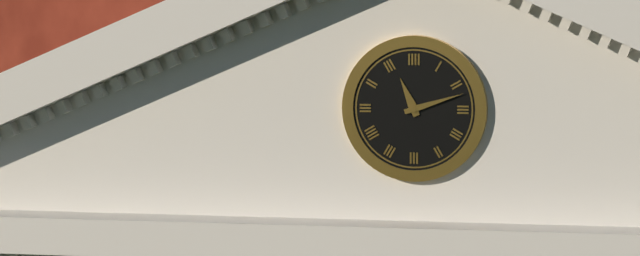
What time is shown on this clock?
11:12
